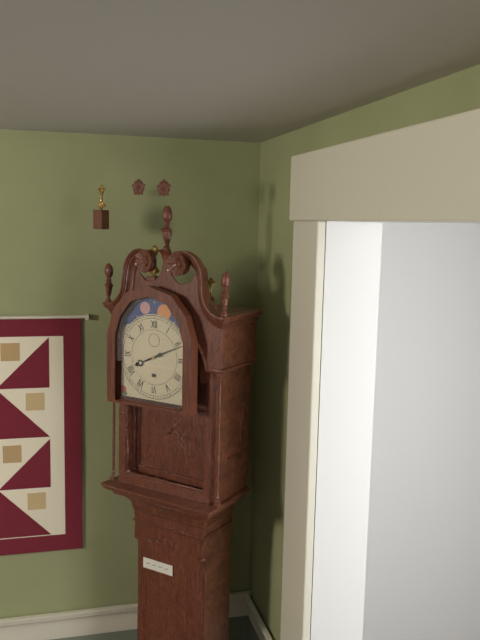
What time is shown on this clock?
8:11
